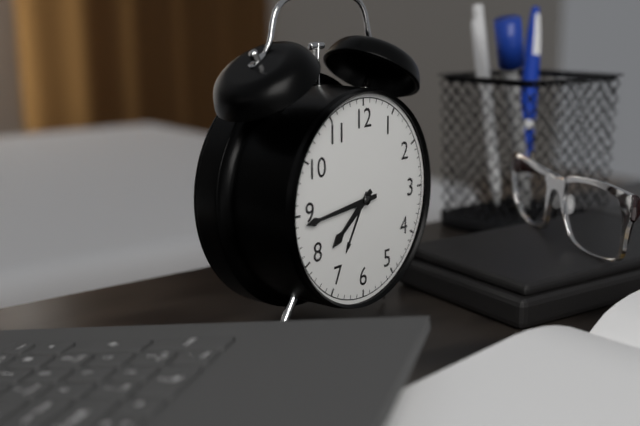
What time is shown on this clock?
7:44
